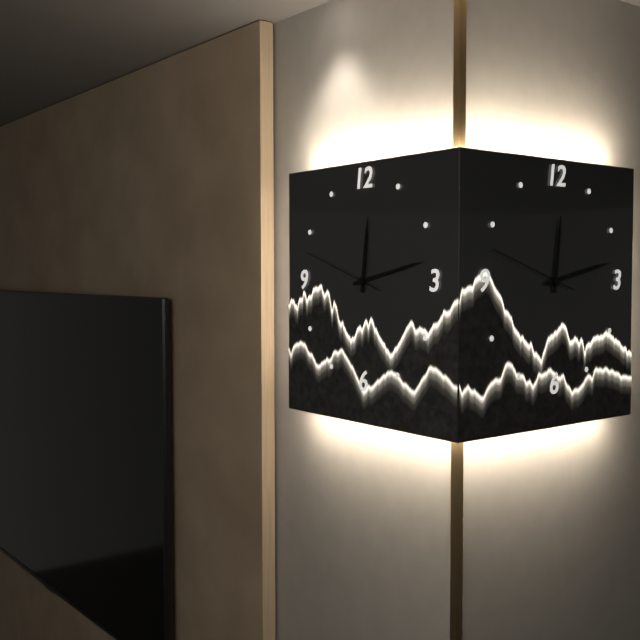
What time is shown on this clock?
12:13:48
